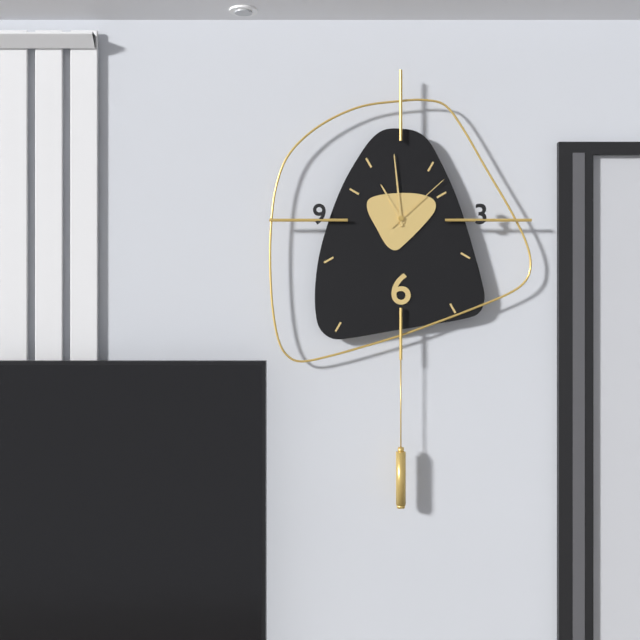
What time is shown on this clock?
10:59:08
